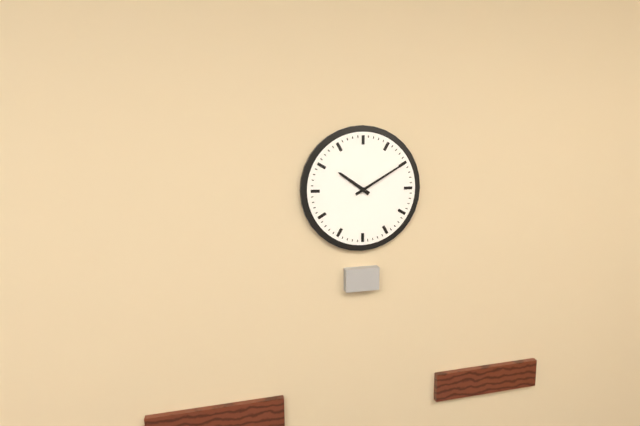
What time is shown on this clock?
10:10
